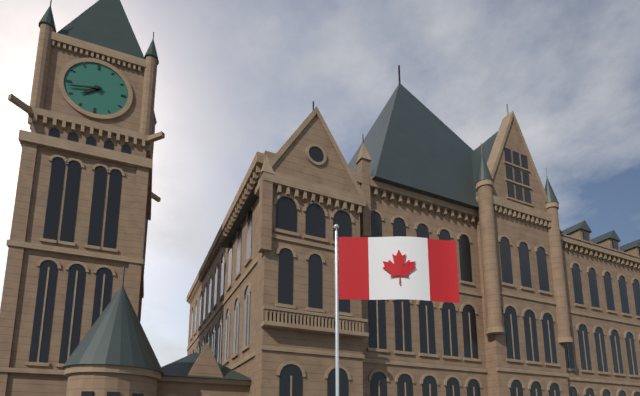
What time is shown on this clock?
7:43
